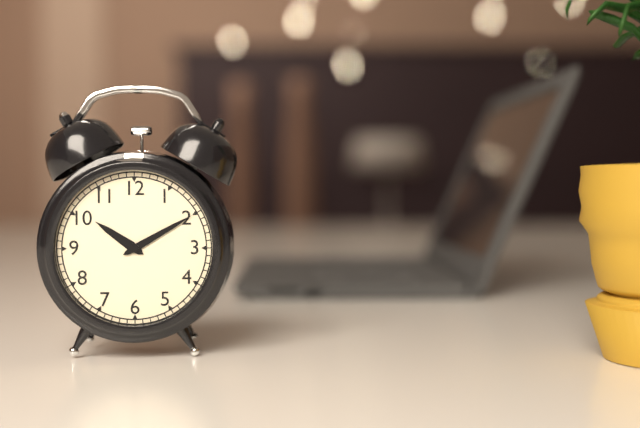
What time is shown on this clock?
10:10
